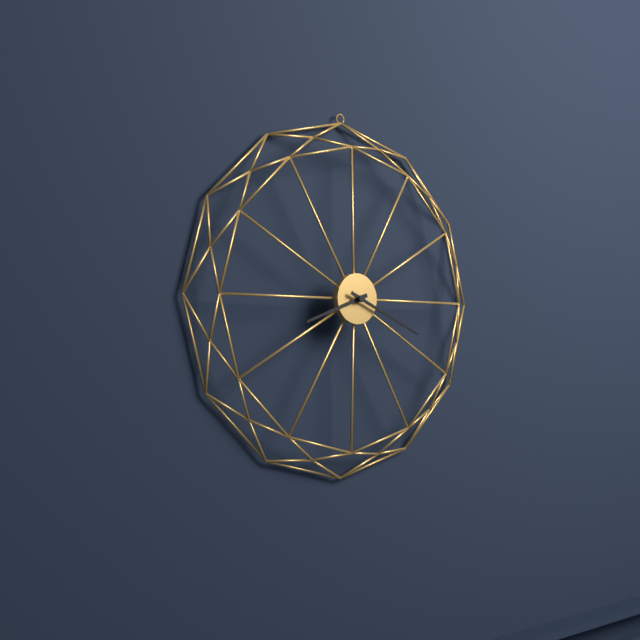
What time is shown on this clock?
8:19
